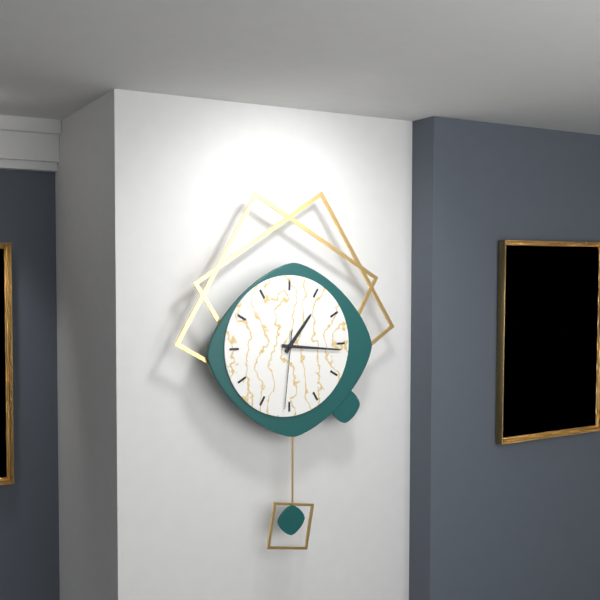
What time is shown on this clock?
1:16:31
